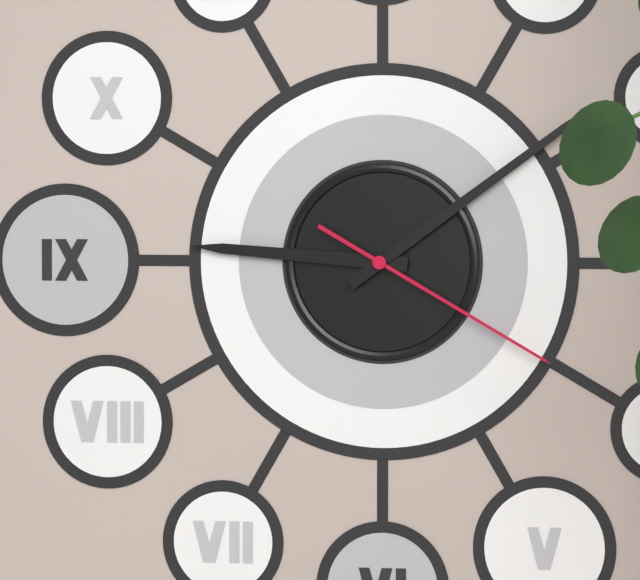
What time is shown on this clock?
9:09:20
